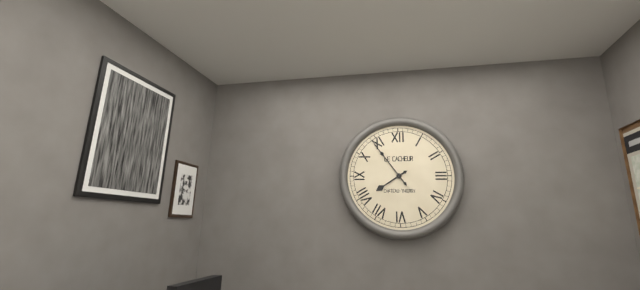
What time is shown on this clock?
7:54
